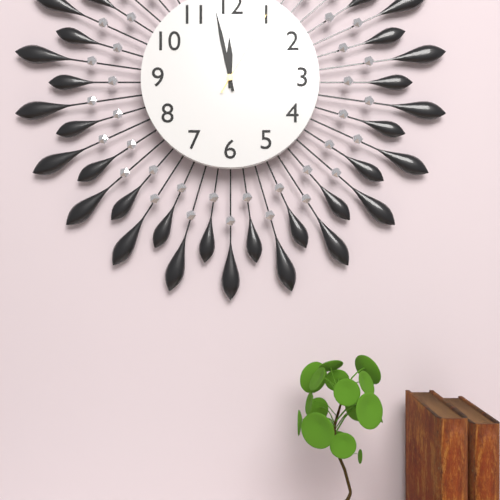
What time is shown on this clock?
11:58:05
